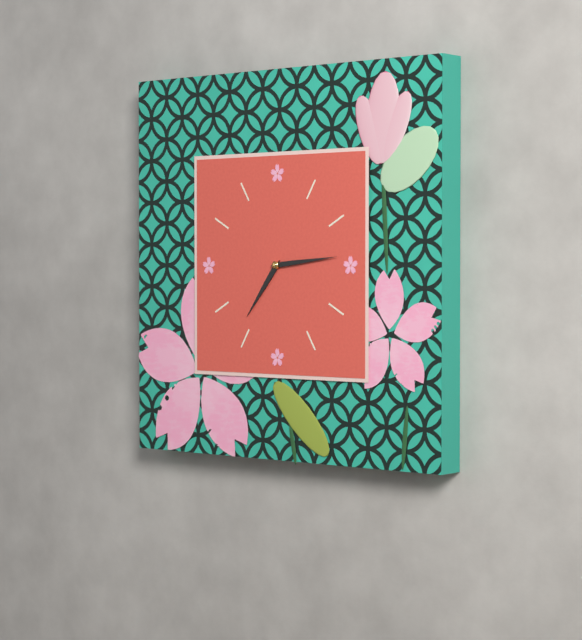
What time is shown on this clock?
7:14
